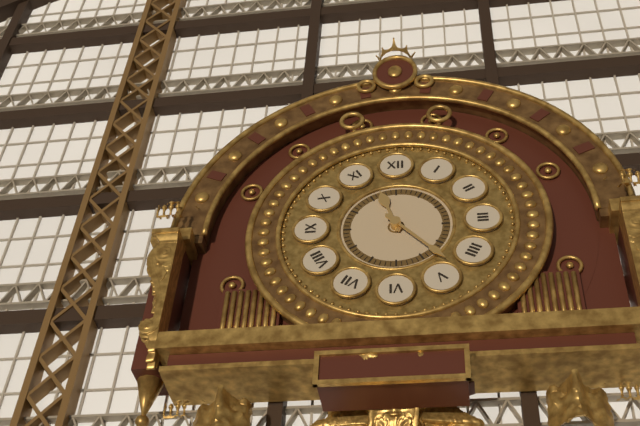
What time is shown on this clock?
11:23
